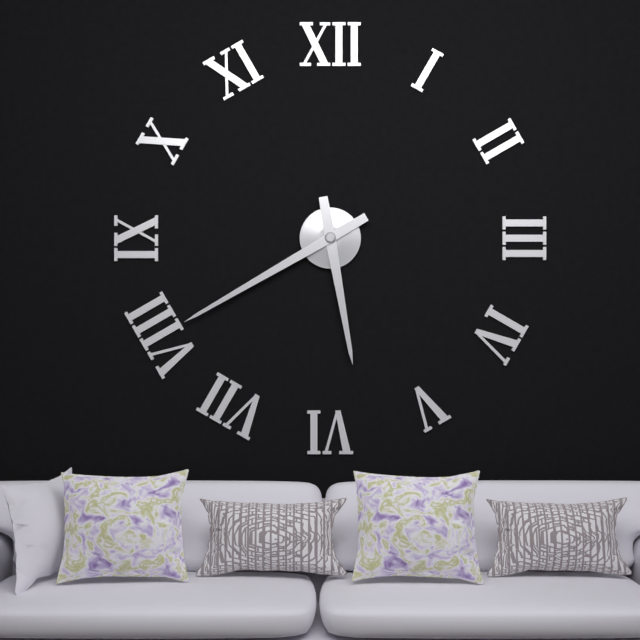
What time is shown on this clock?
5:40
